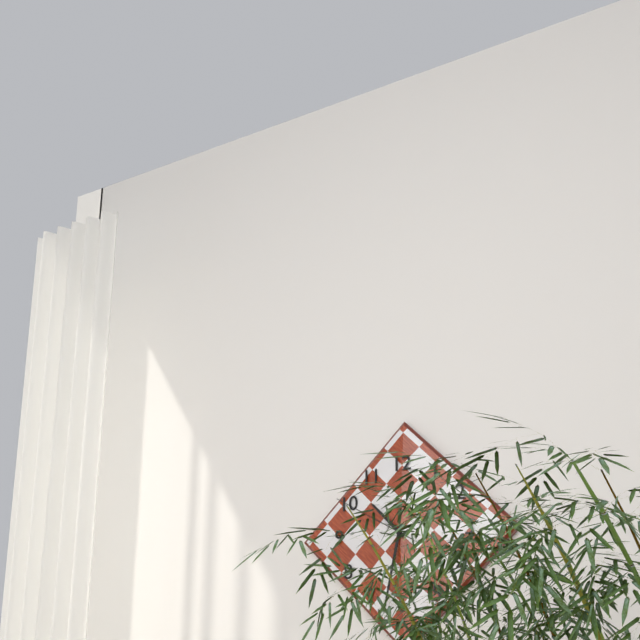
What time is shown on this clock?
10:32:50
